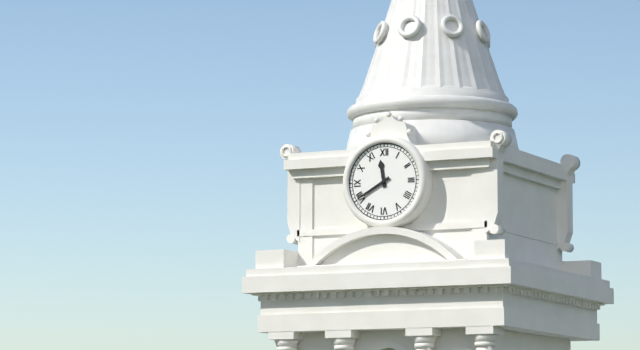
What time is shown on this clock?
11:40
